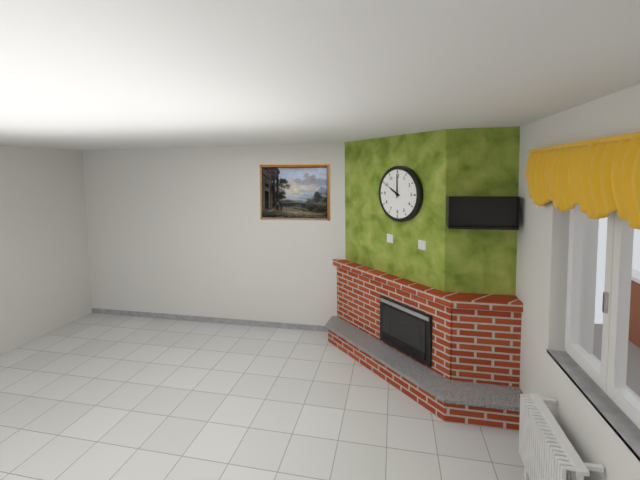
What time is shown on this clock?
10:00
